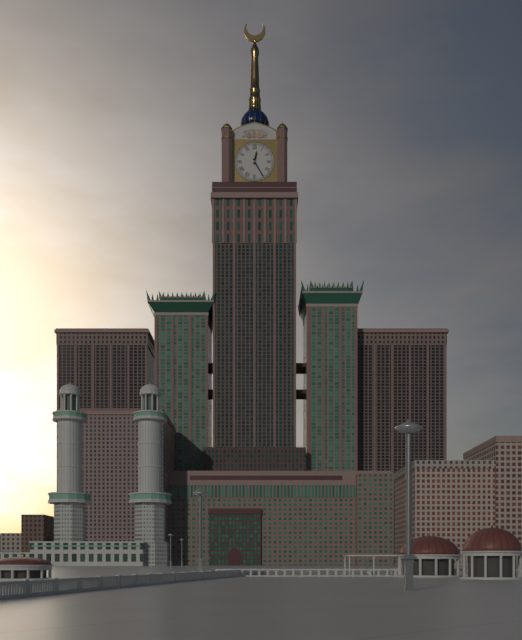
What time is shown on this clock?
12:25
